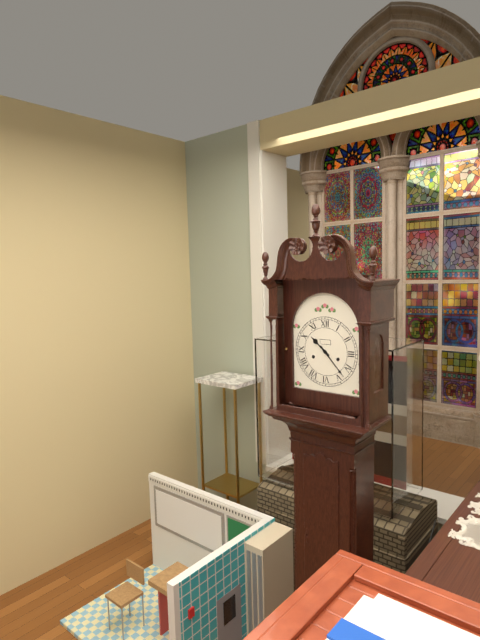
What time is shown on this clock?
10:23
